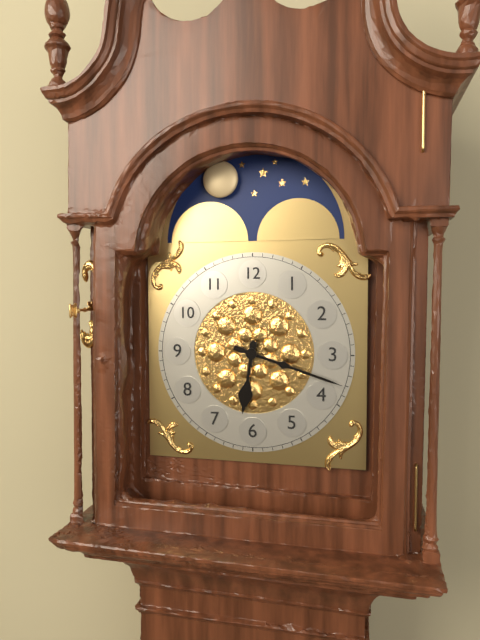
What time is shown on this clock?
6:18
